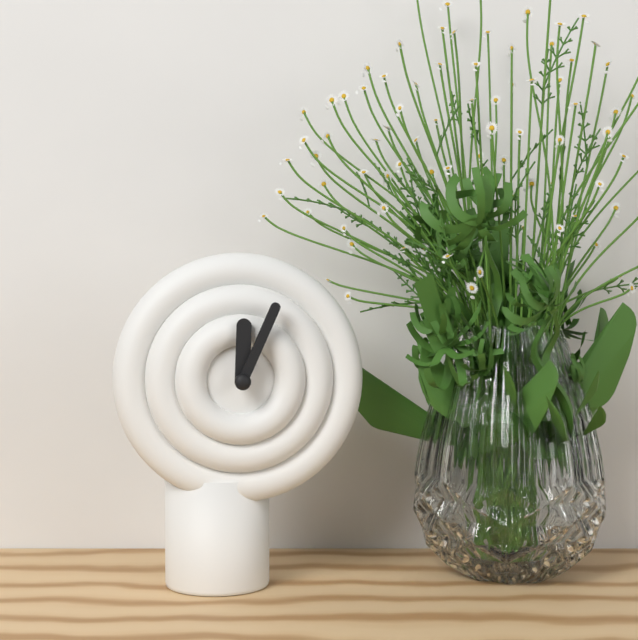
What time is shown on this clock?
12:04
